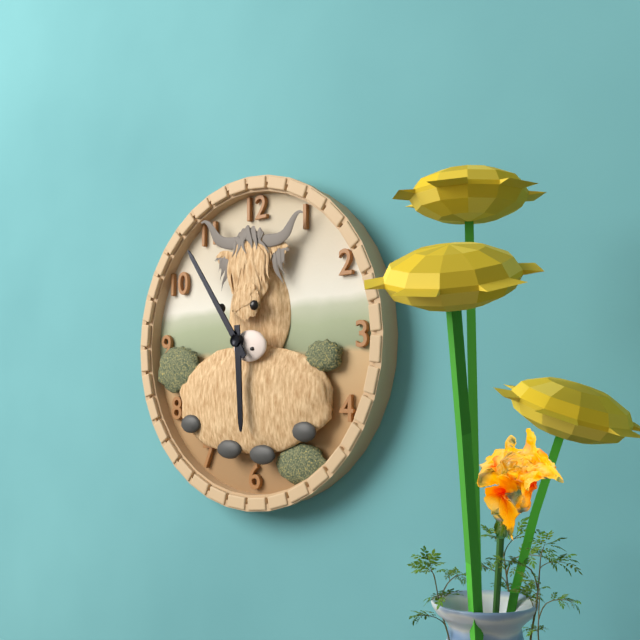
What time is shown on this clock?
5:54
